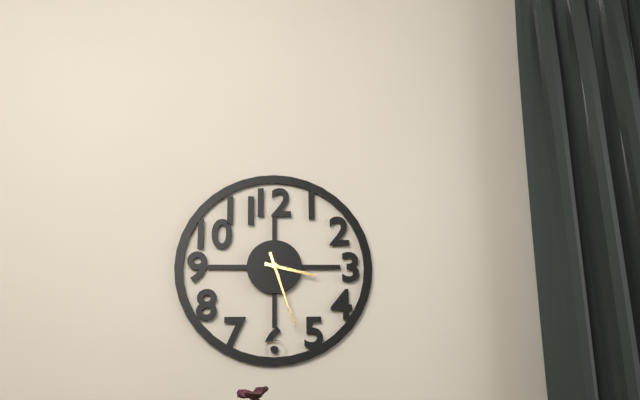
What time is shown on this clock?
3:27
